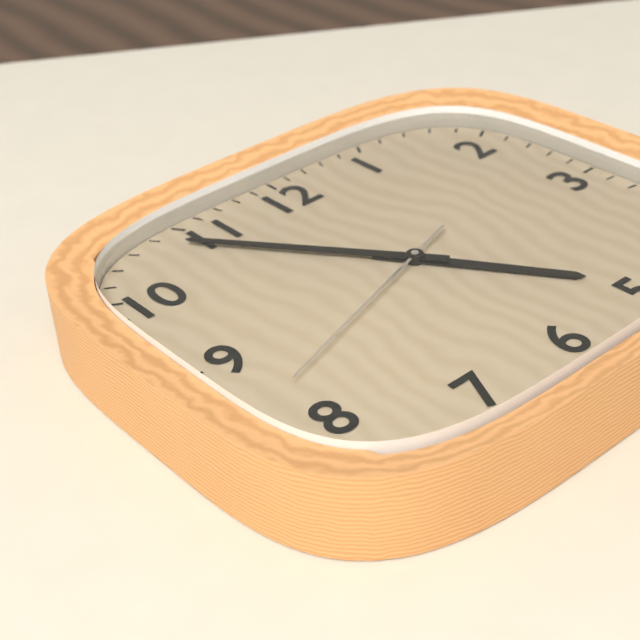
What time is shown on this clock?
4:54:42
